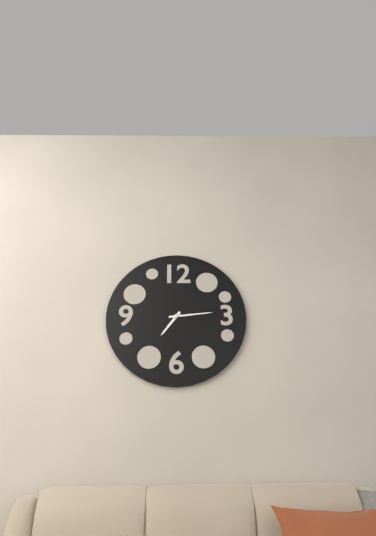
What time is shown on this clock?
7:14
